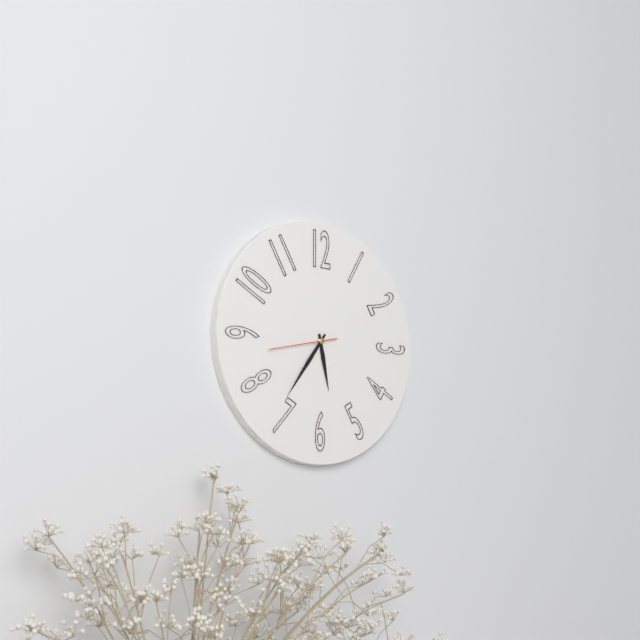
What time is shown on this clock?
5:36:43
